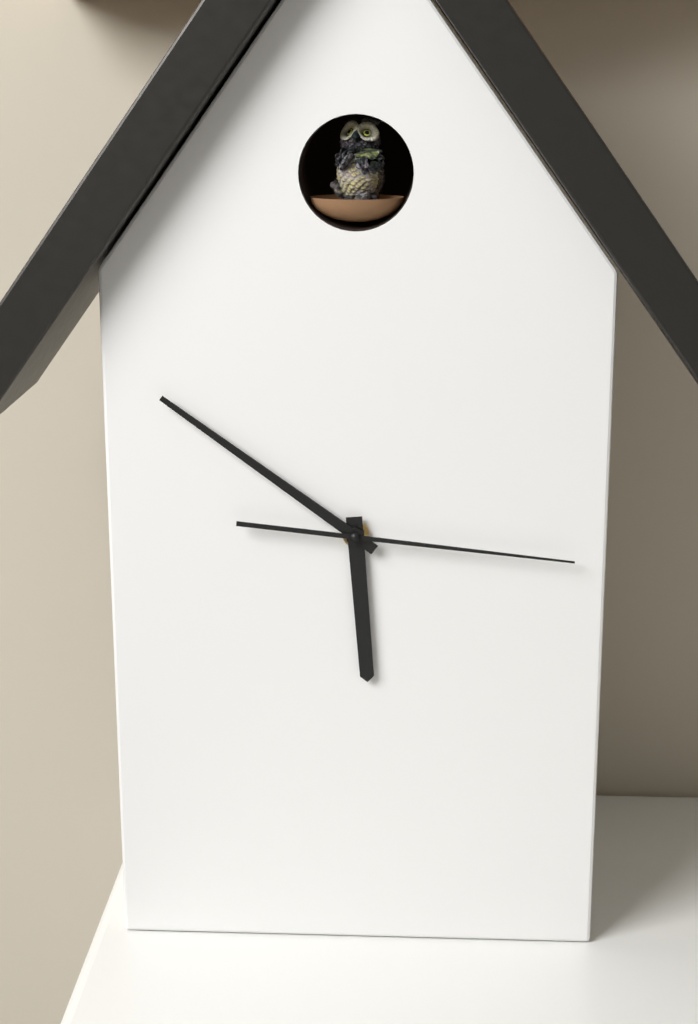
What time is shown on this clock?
5:51:16
